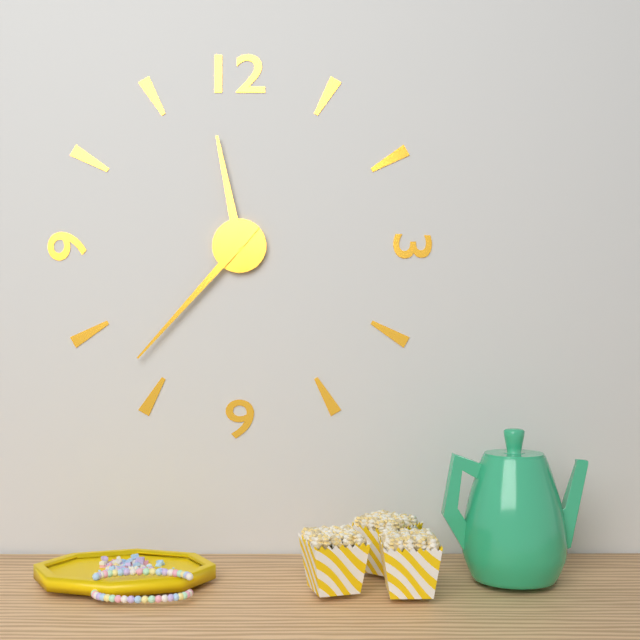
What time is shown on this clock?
11:37
